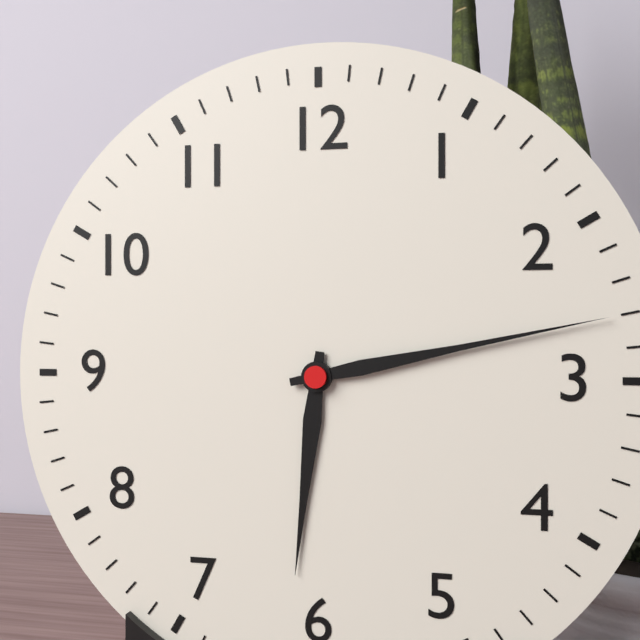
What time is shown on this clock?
6:13
